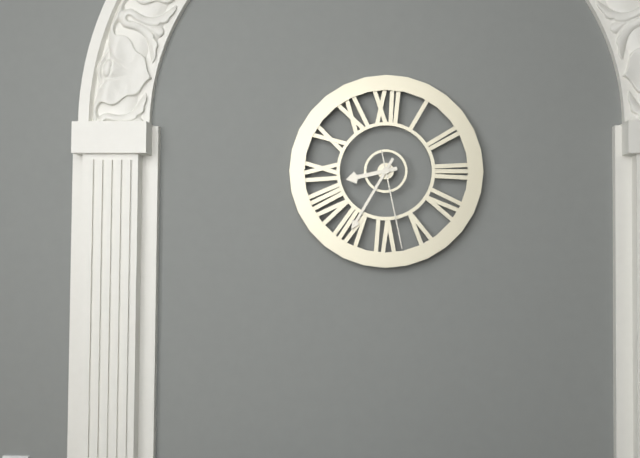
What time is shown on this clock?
8:35:28
